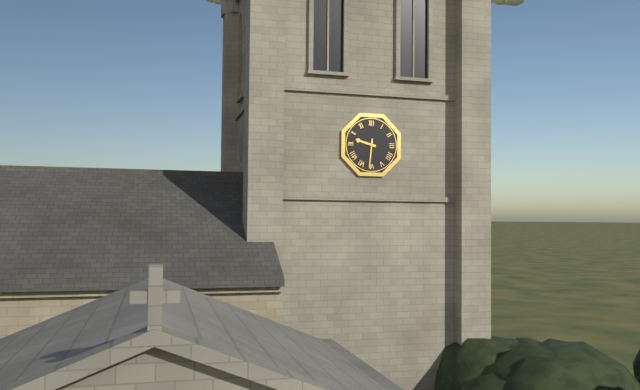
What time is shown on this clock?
9:31
